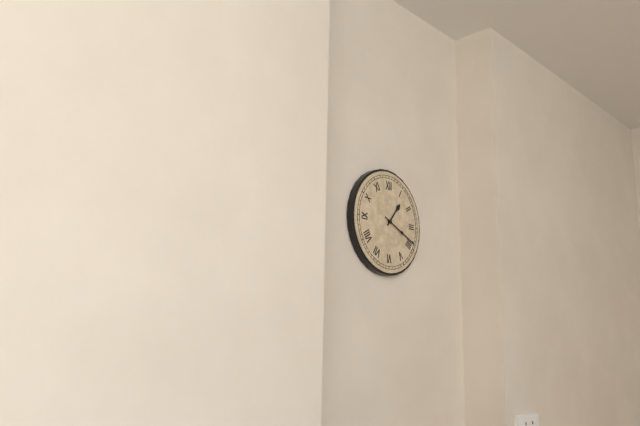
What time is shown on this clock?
1:19
